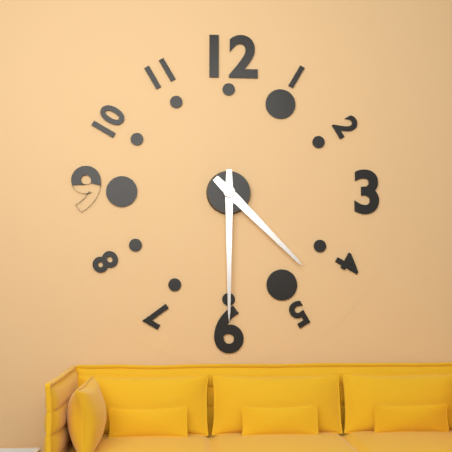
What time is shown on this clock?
4:30
